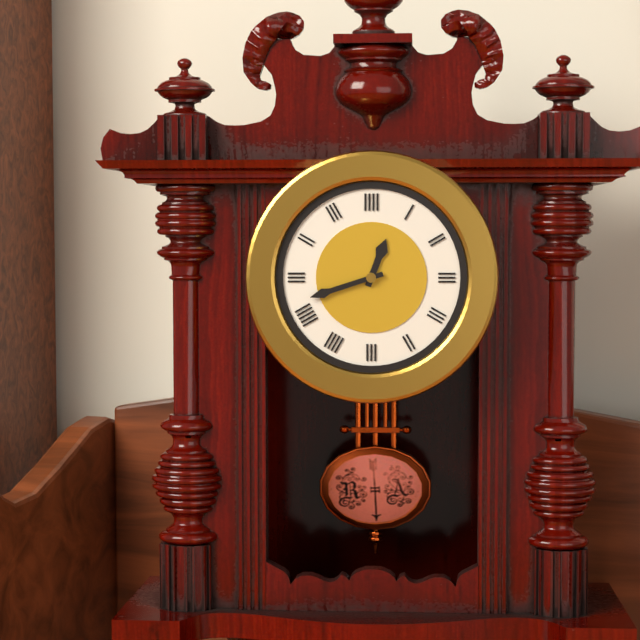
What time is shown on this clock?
12:42
